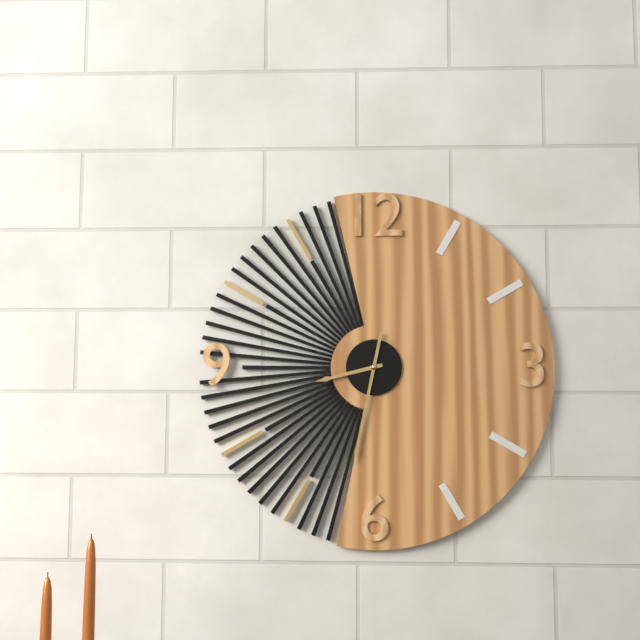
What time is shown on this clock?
8:32
